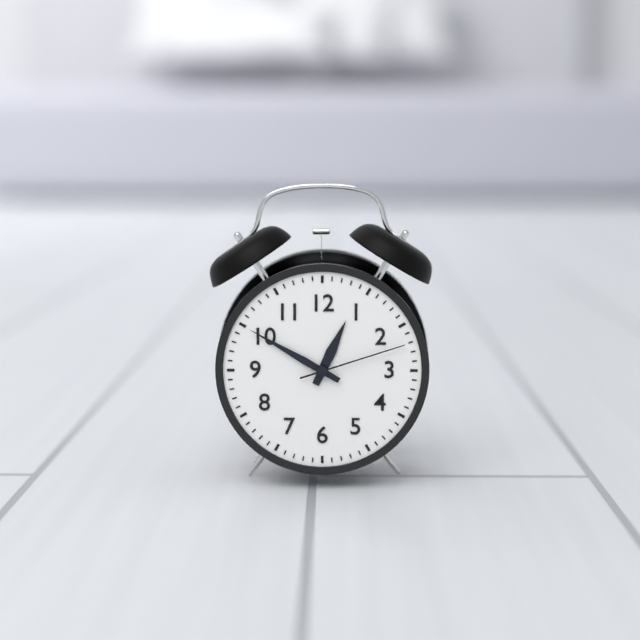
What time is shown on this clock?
12:50:12
